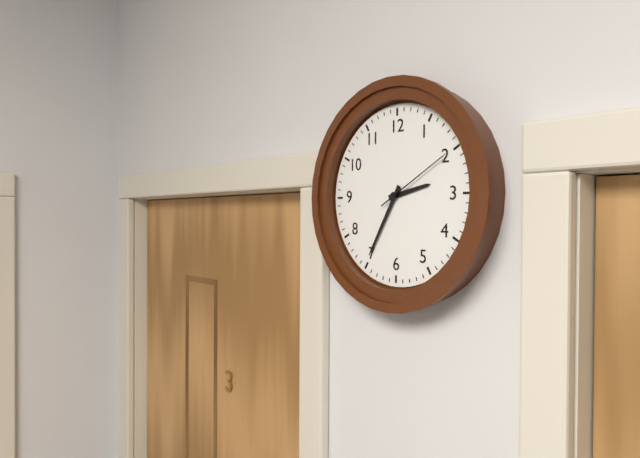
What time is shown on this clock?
2:35:10
